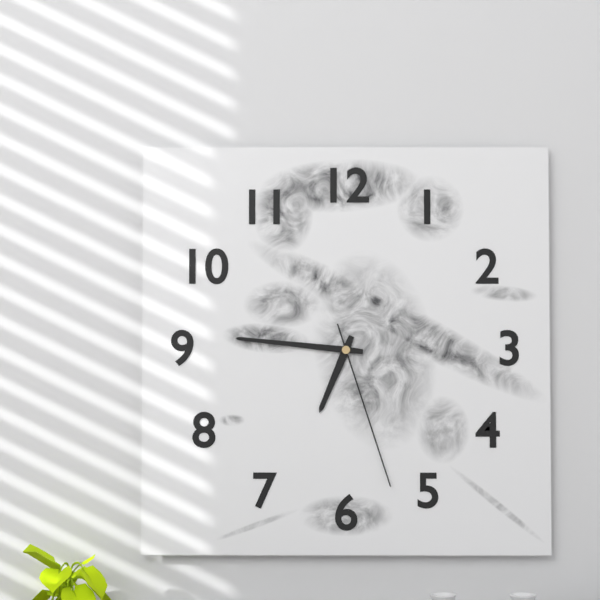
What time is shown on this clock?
6:46:27
